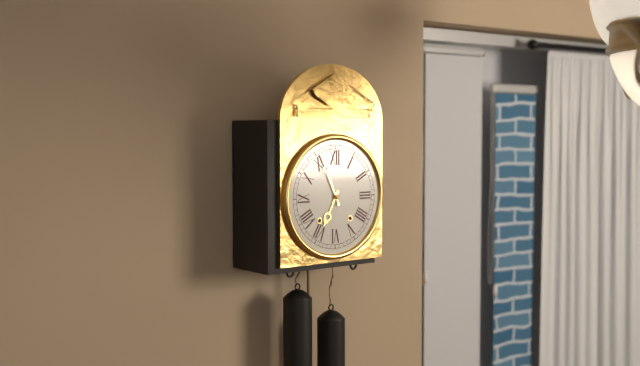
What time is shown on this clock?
6:56
